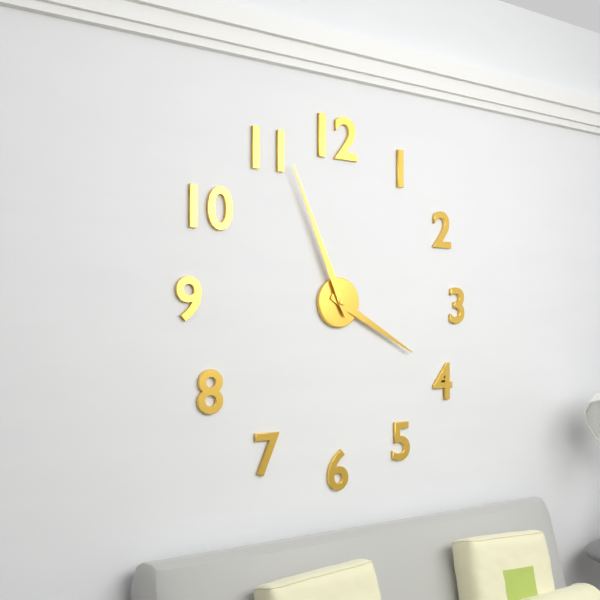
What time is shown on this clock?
3:56
